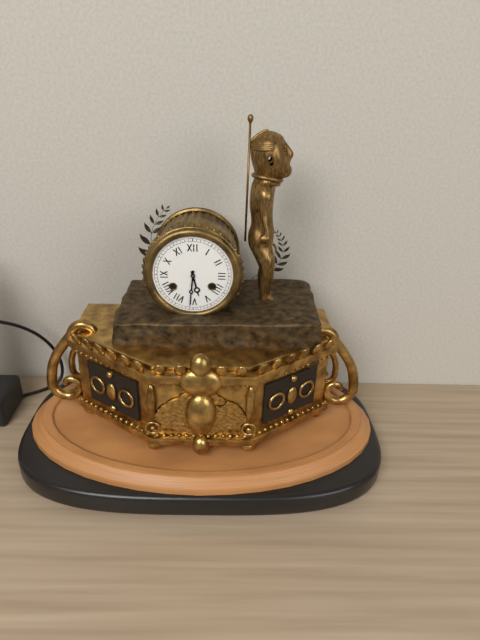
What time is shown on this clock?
5:31
